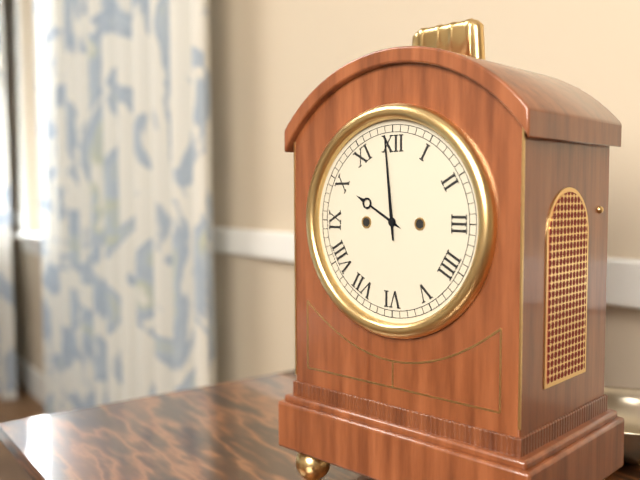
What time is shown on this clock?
9:59
